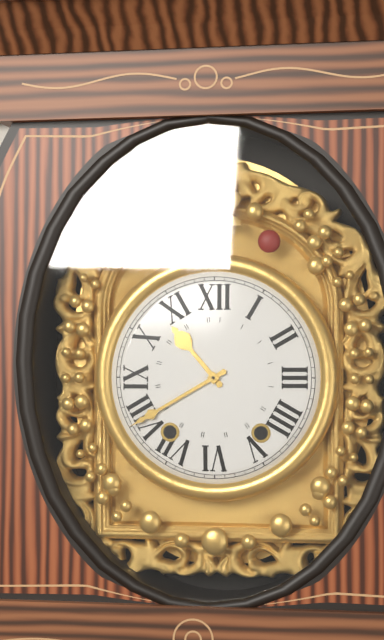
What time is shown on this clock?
10:40
